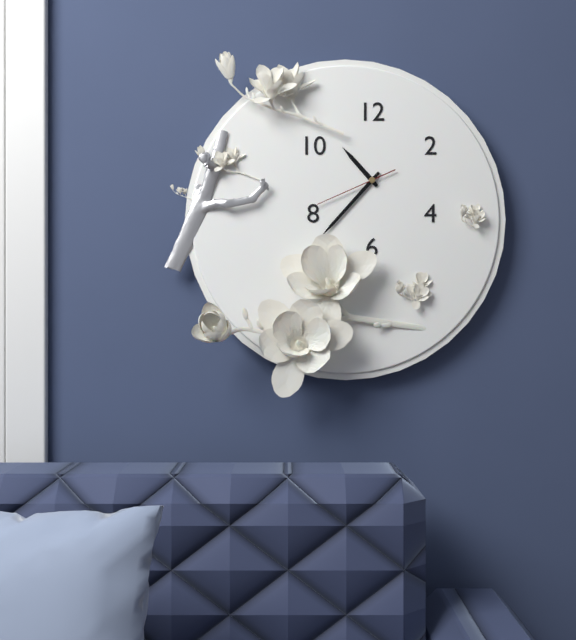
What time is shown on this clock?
10:37:41
